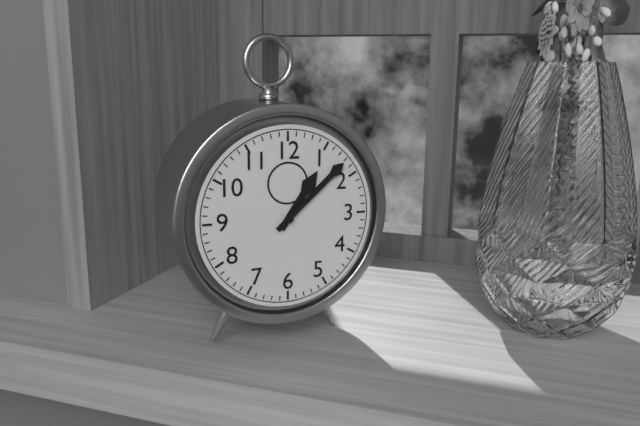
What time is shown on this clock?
1:08
